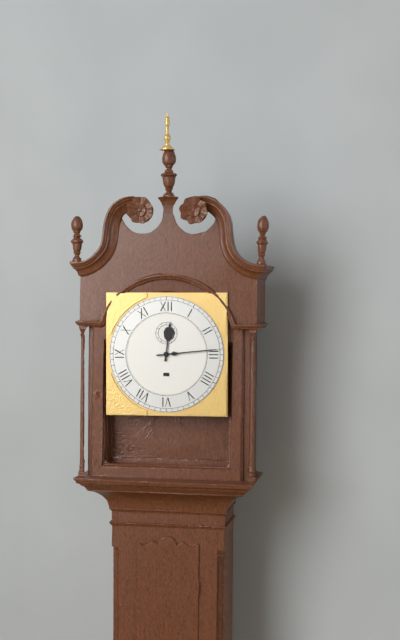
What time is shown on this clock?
12:14
